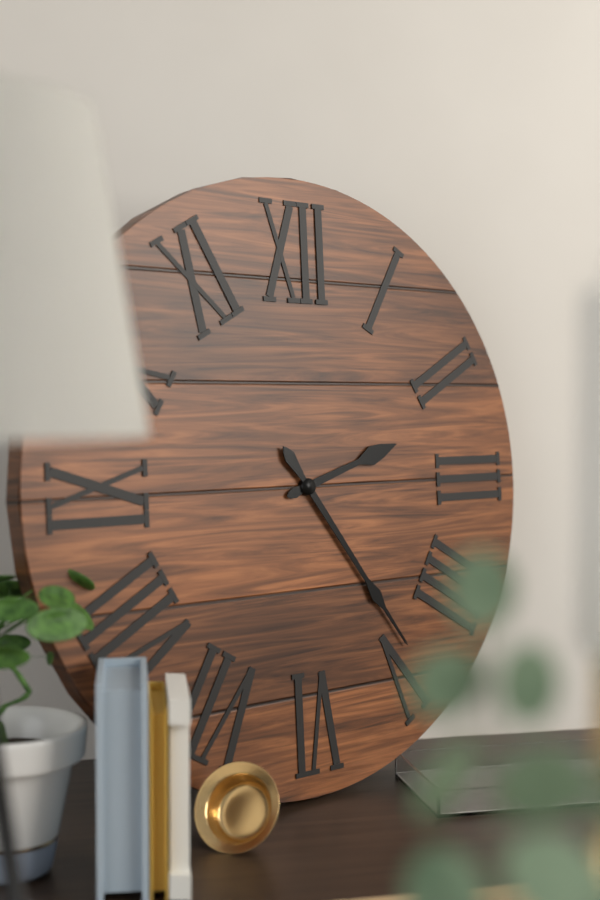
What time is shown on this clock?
2:24
